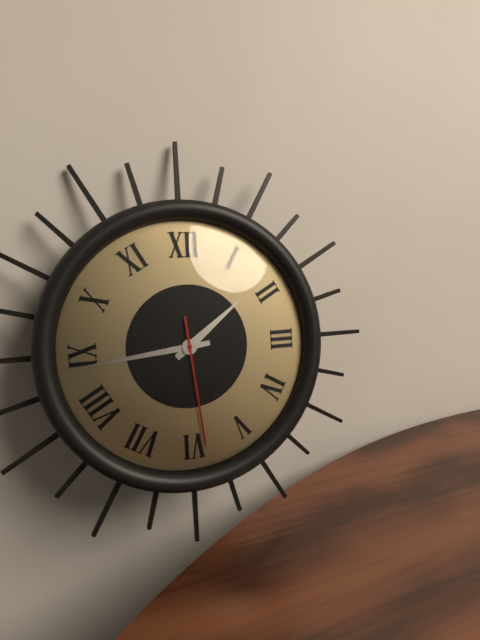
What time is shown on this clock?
1:44:29
